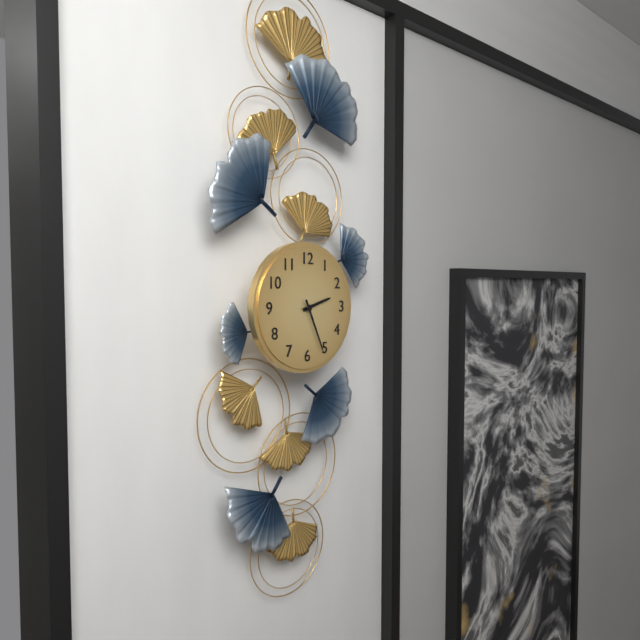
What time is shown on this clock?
2:26
